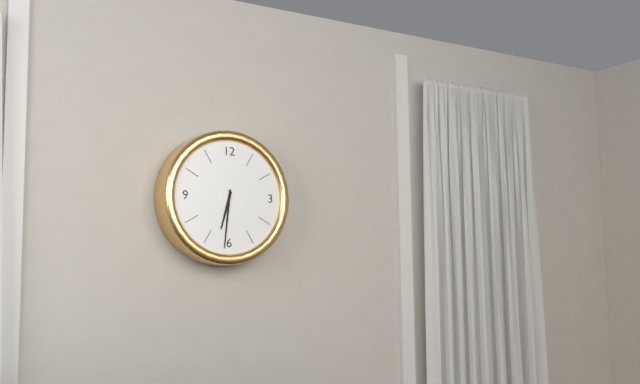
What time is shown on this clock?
6:31
